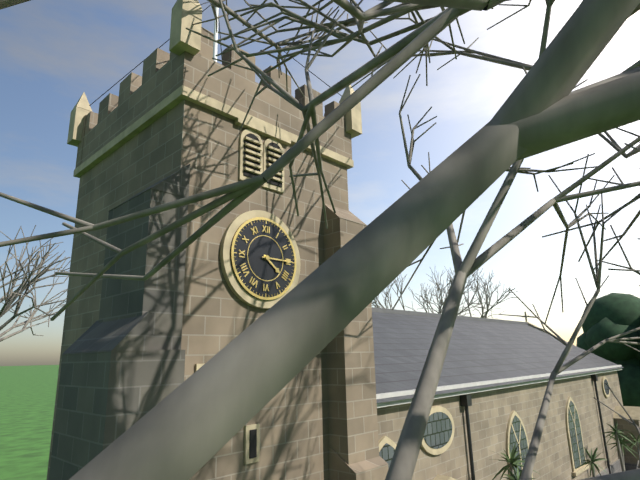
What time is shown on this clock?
4:15
